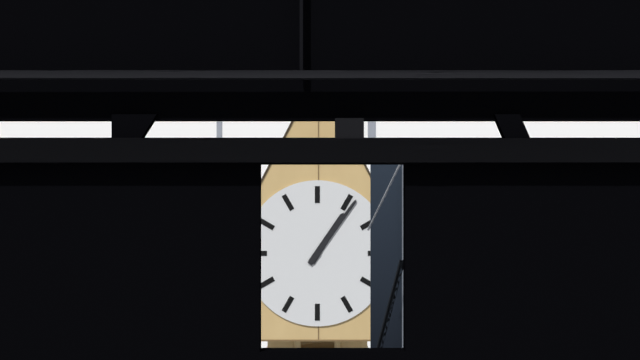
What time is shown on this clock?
1:06
